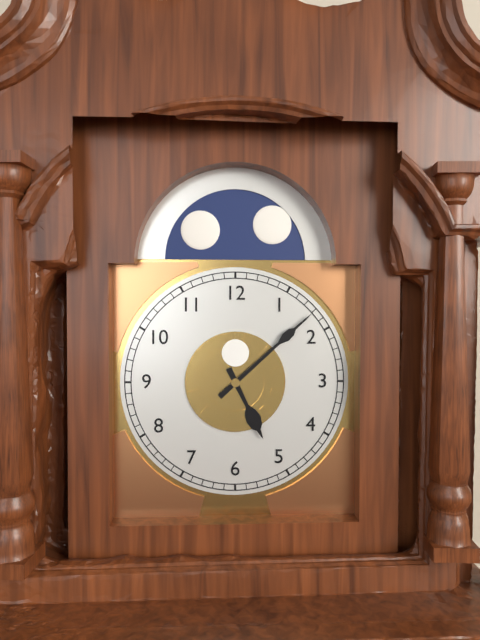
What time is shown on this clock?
5:08
